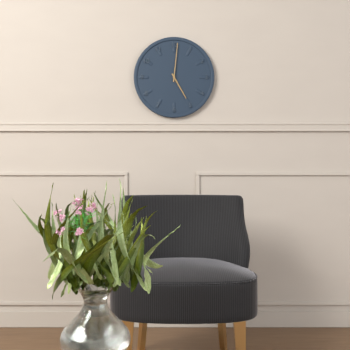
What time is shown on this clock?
5:01
